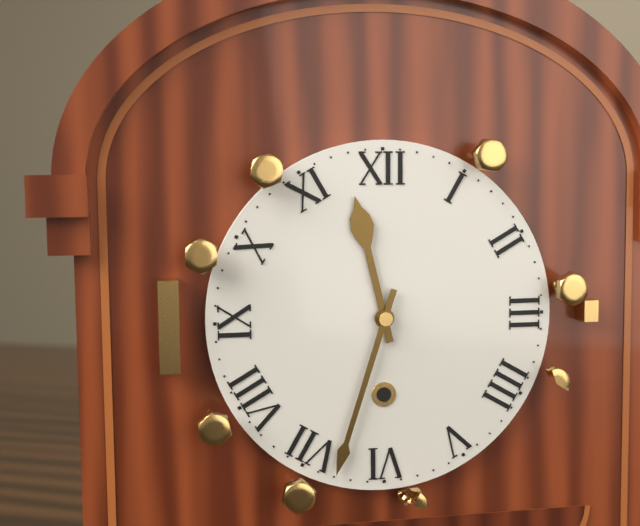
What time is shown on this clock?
11:33
